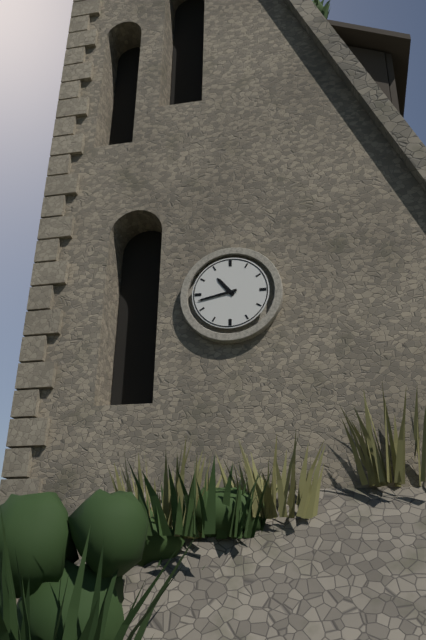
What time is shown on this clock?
10:43
